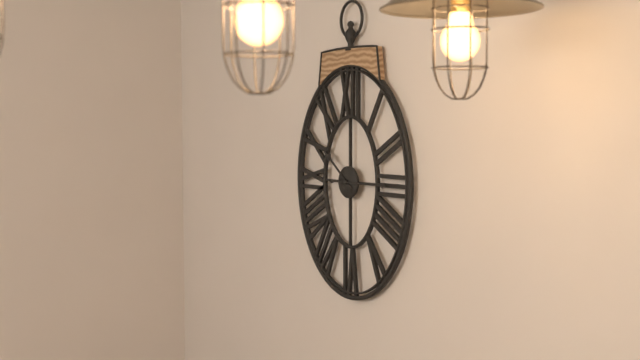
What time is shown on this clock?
10:15
